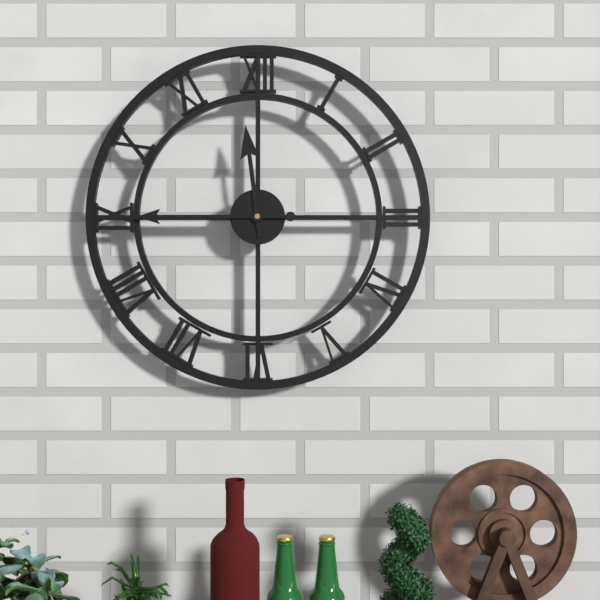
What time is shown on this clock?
11:45
